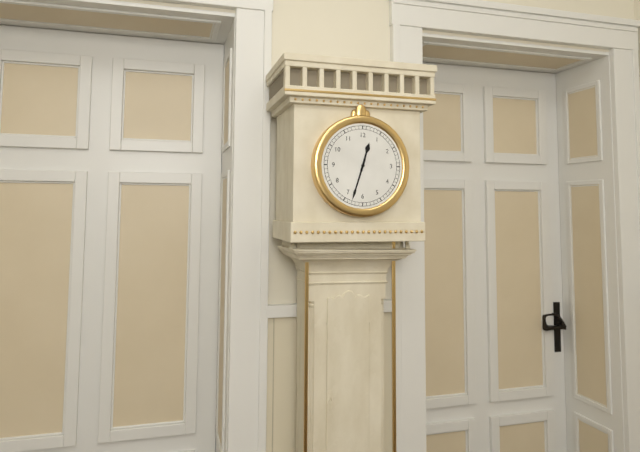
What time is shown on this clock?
12:33
